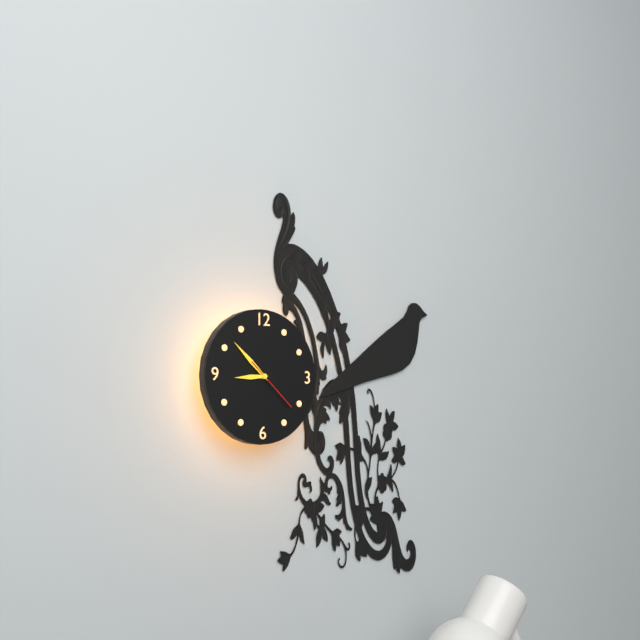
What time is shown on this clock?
8:52:22
